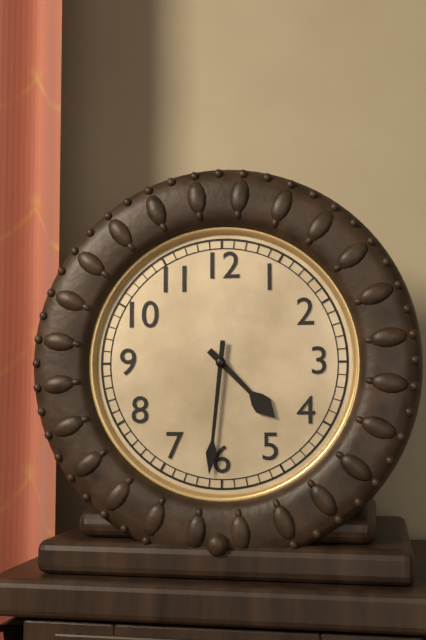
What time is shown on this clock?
4:31
